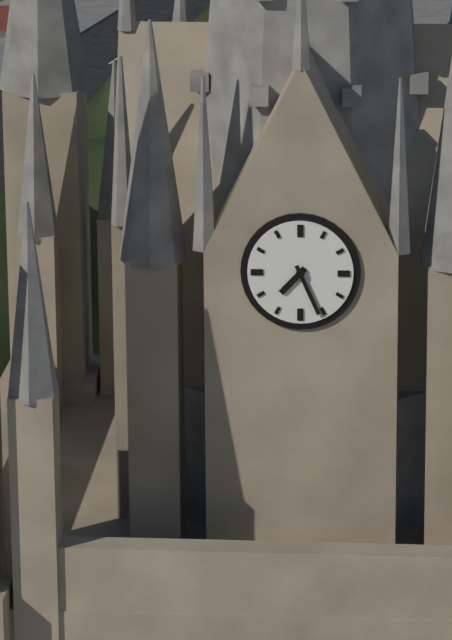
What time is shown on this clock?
7:26
